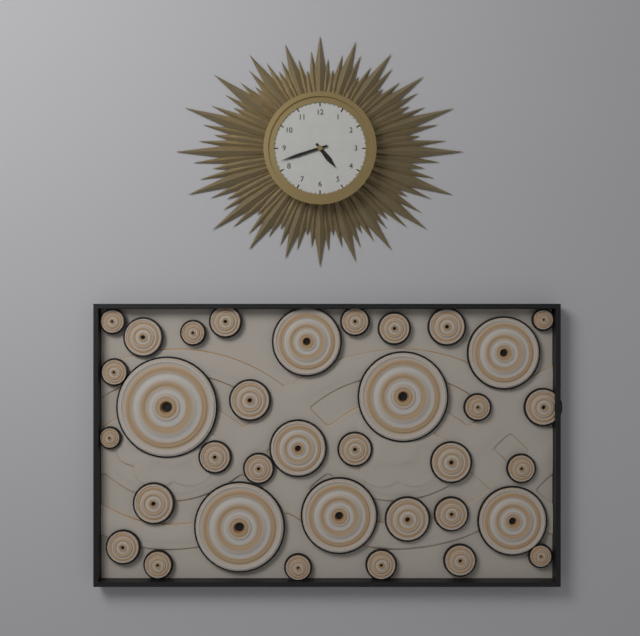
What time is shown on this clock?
4:42
